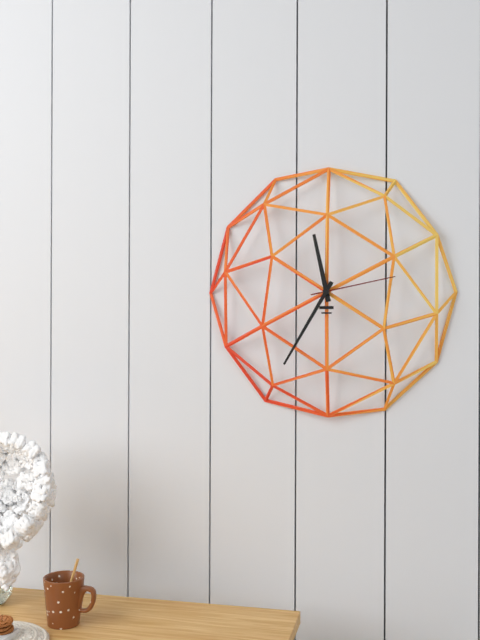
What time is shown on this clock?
11:35:13
